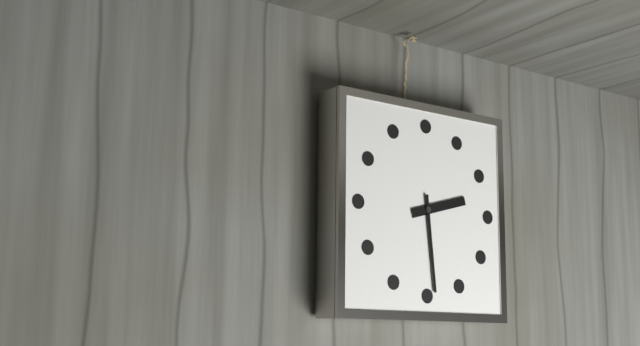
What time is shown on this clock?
2:29
